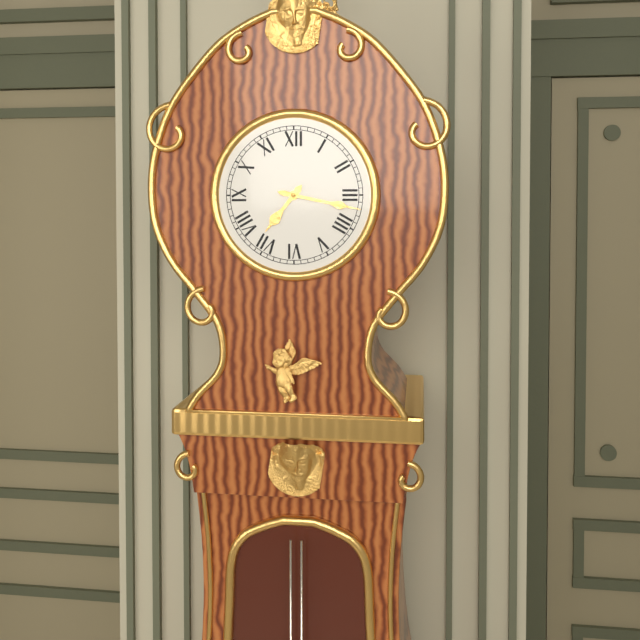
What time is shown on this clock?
7:17
